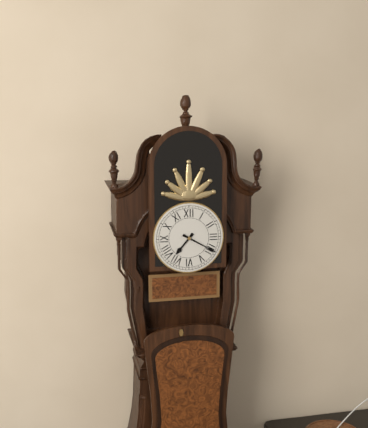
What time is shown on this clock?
7:20
